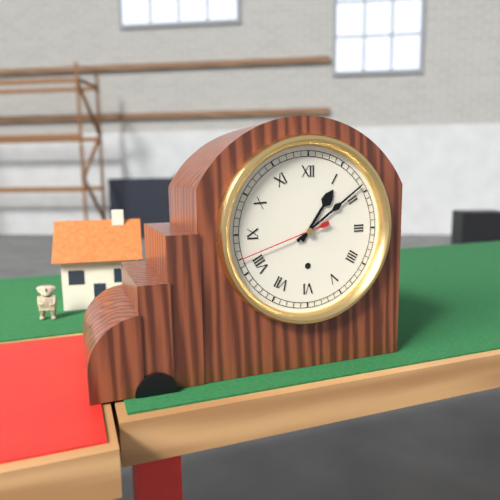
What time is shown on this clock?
1:09:42
